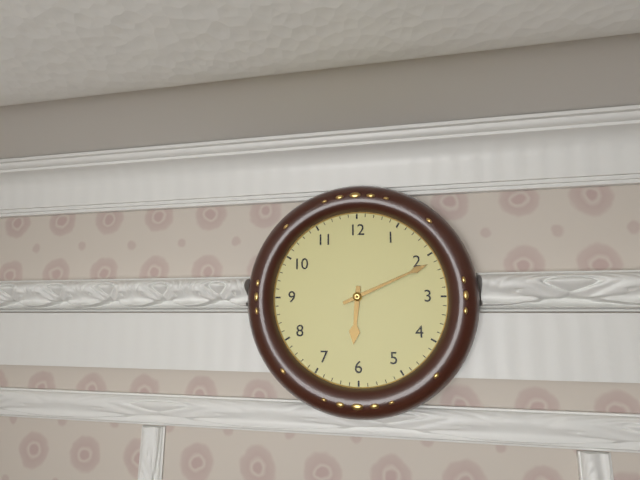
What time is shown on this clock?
6:11
